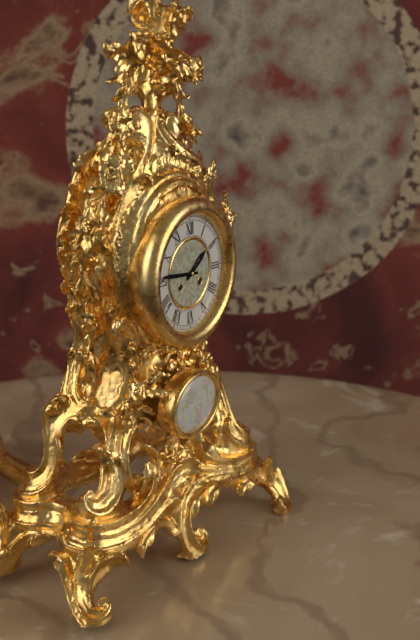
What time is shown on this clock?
1:46
